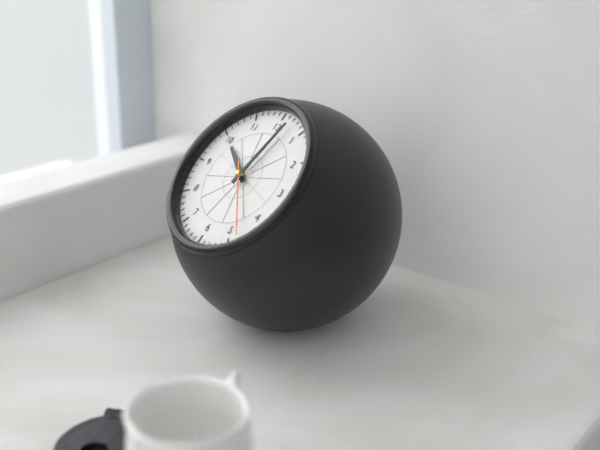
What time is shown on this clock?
10:02:23
